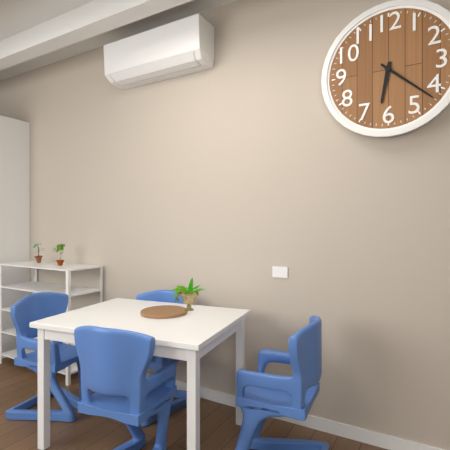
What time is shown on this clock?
6:22
